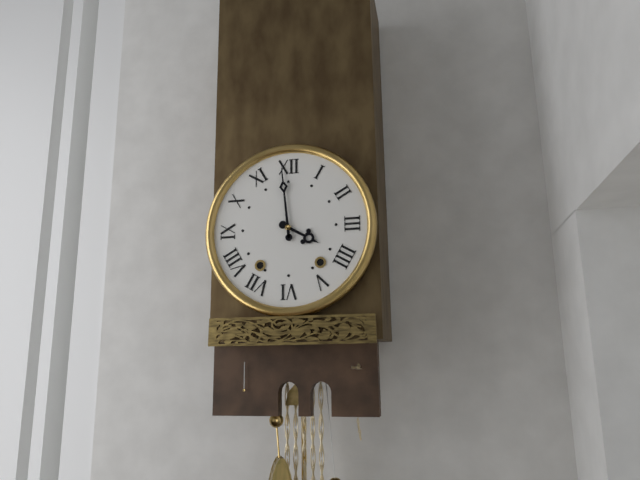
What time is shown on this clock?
3:59
